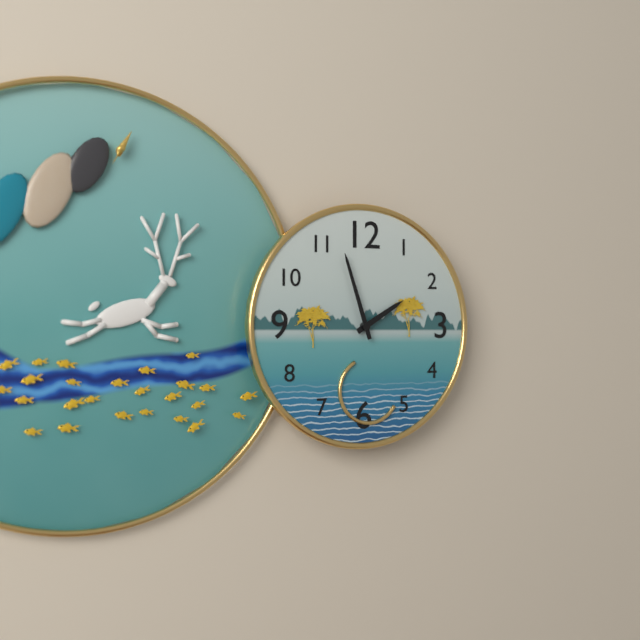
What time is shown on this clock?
1:57
